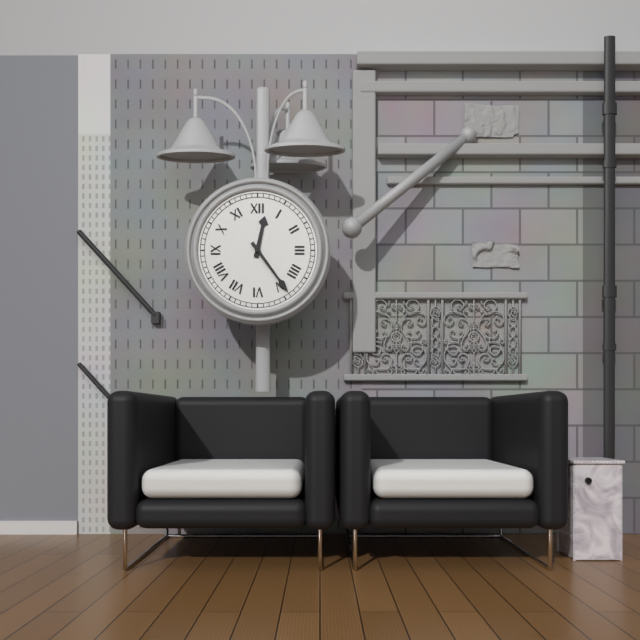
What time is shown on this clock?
12:24
